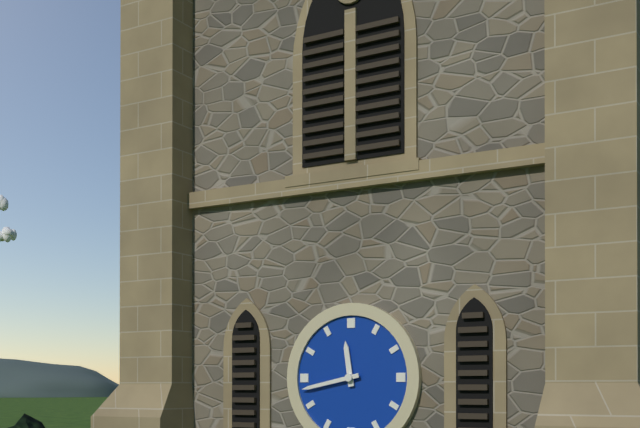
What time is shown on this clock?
11:43
